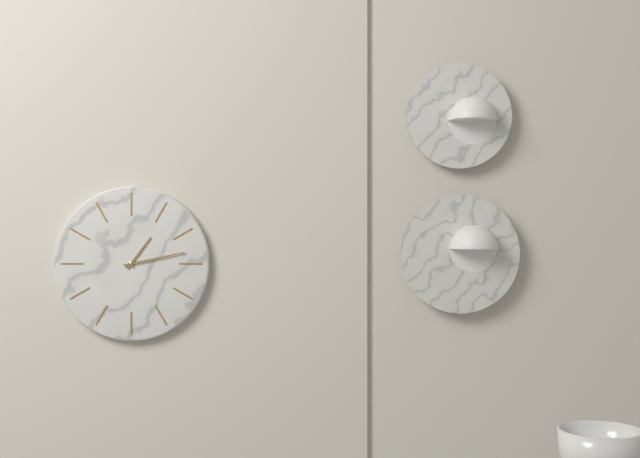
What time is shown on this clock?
1:13
